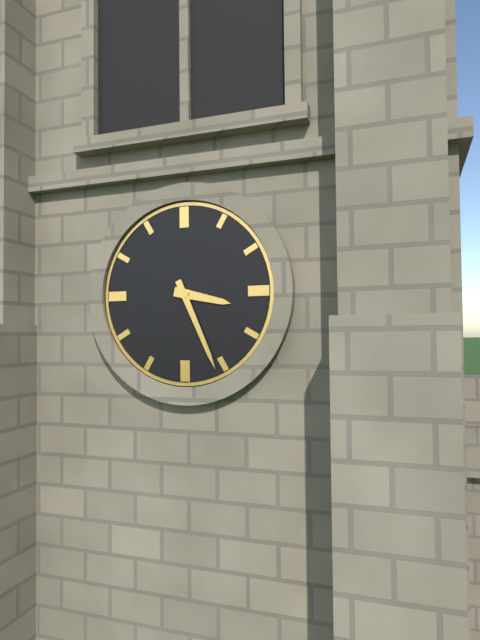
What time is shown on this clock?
3:26
